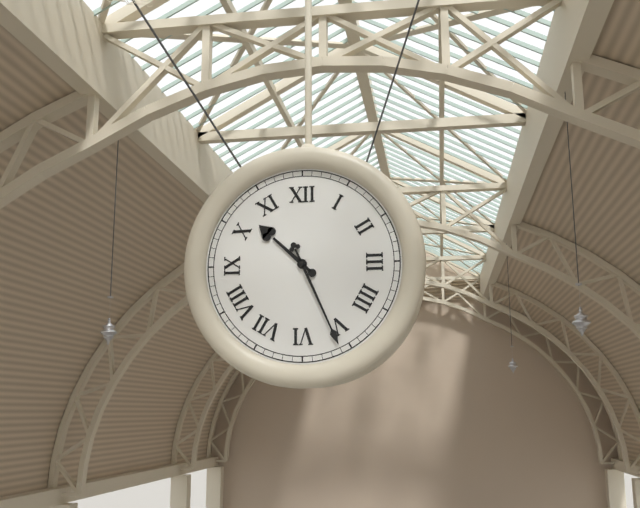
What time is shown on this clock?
10:26
